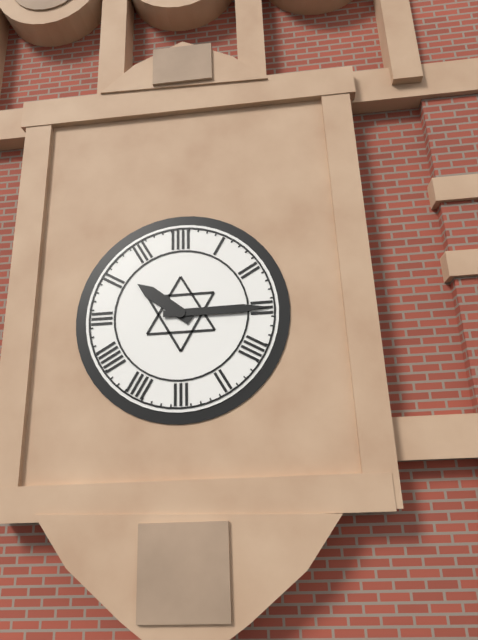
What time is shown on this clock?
10:15
